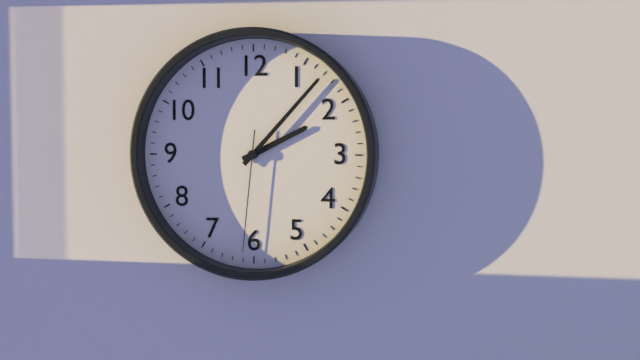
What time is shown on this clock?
2:07:31
